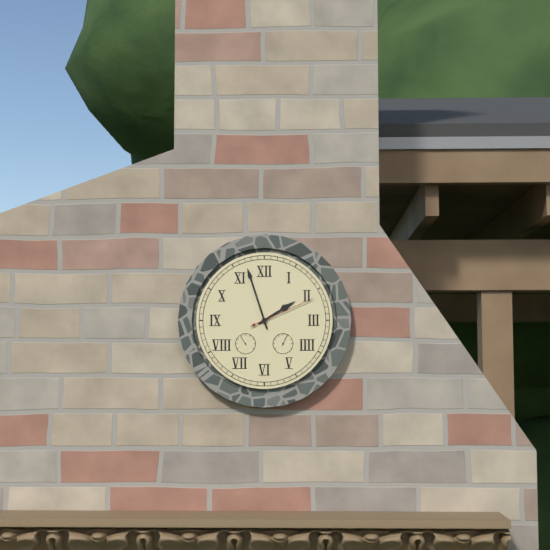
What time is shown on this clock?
1:57:11
